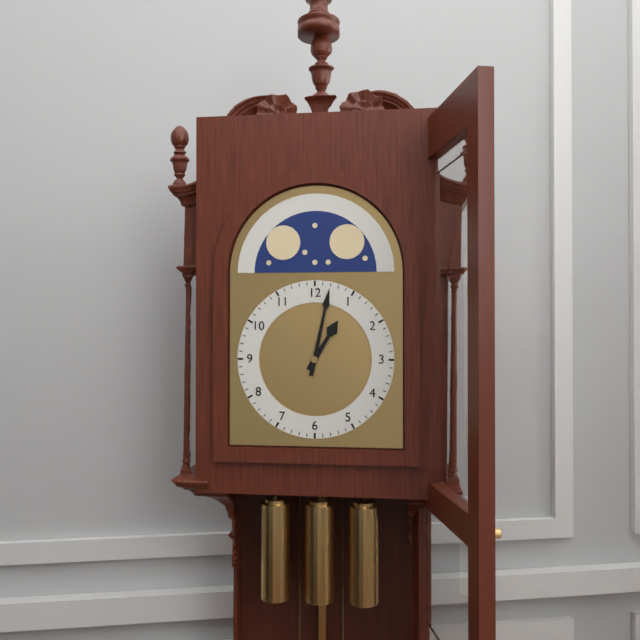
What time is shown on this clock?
1:02
